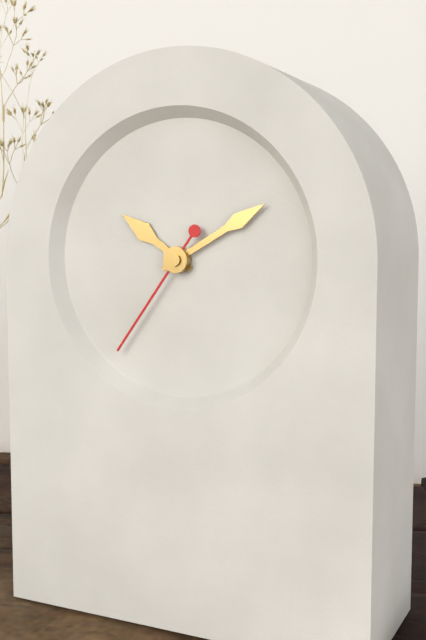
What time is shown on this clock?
10:10:36
